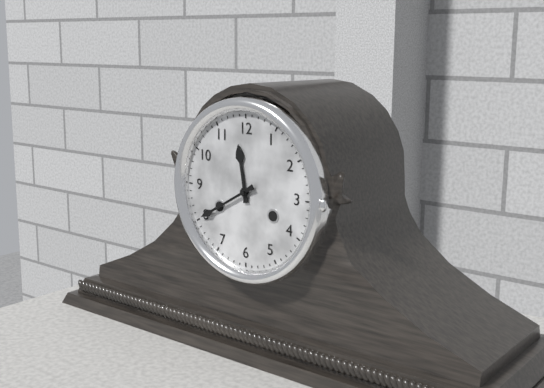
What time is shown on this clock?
11:40
